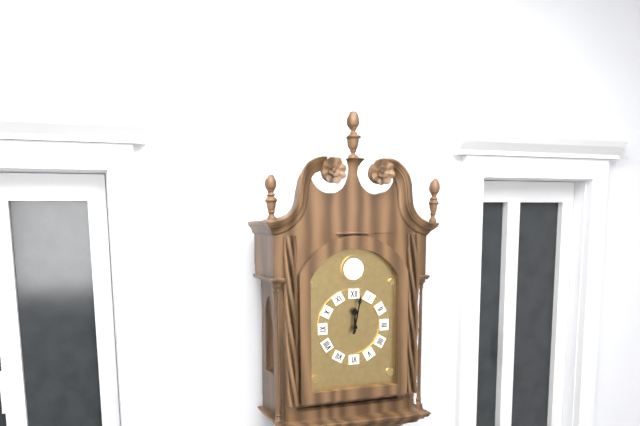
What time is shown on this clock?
12:02
